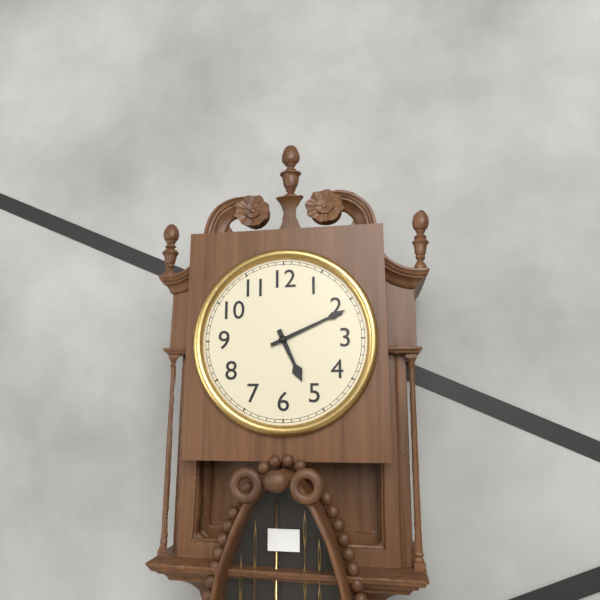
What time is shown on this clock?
5:11
